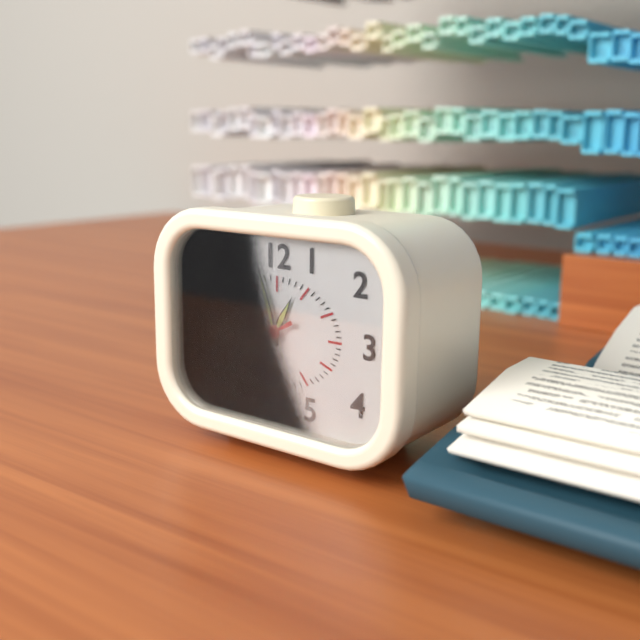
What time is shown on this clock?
12:57:40
